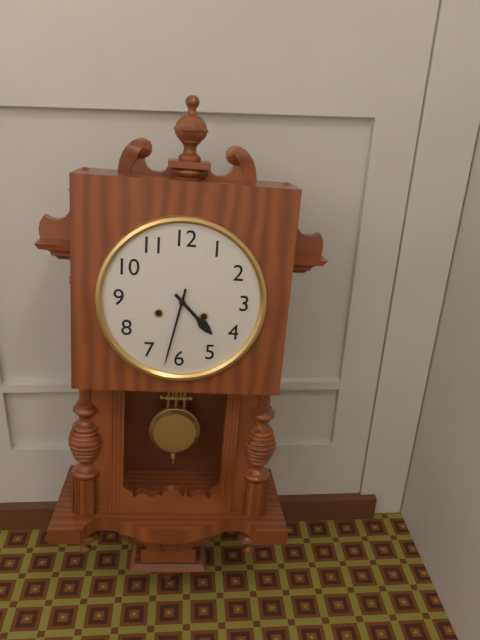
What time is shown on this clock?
4:32
